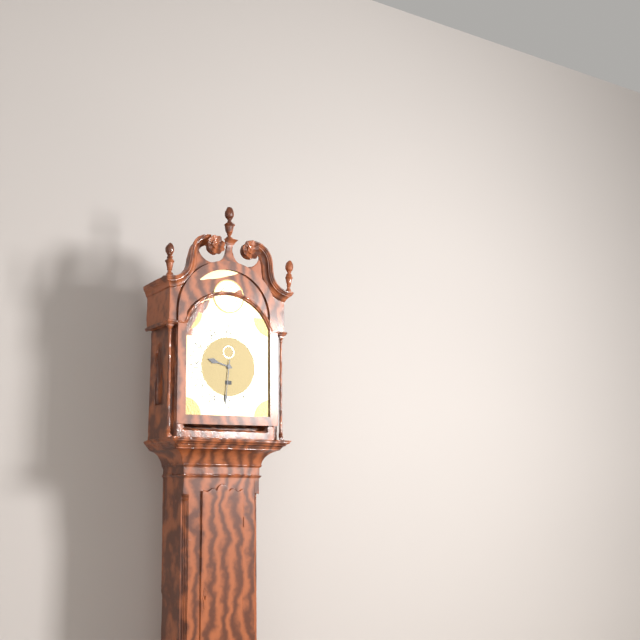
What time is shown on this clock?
9:31
